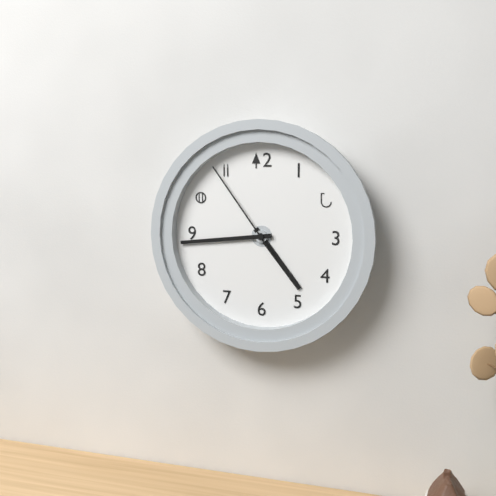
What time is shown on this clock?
4:44:54
